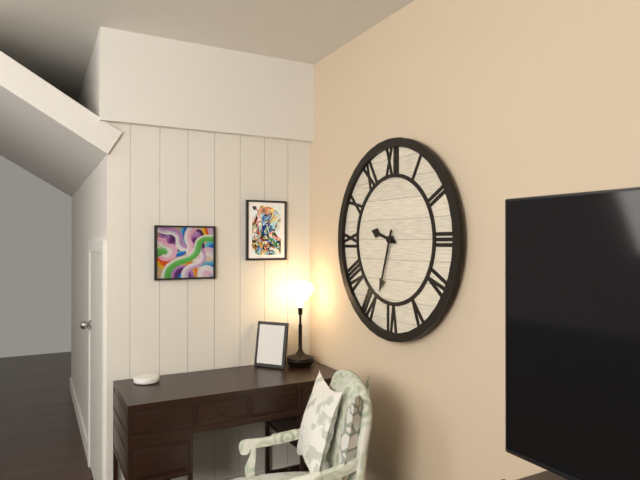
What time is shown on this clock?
9:33
